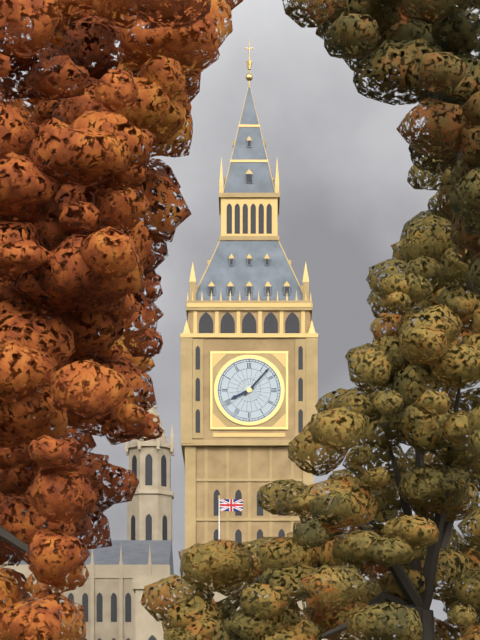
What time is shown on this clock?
8:07
